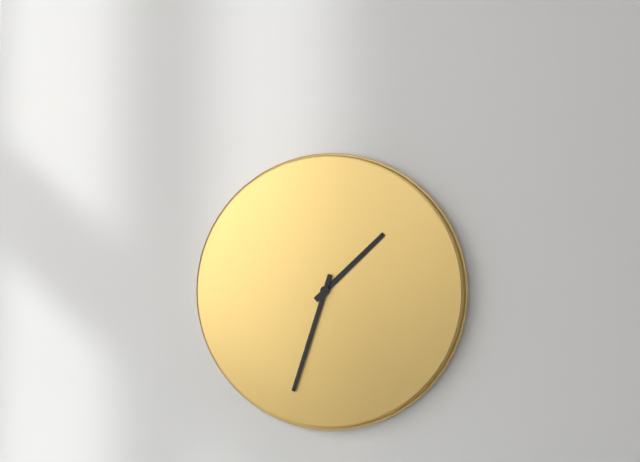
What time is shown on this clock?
1:33
